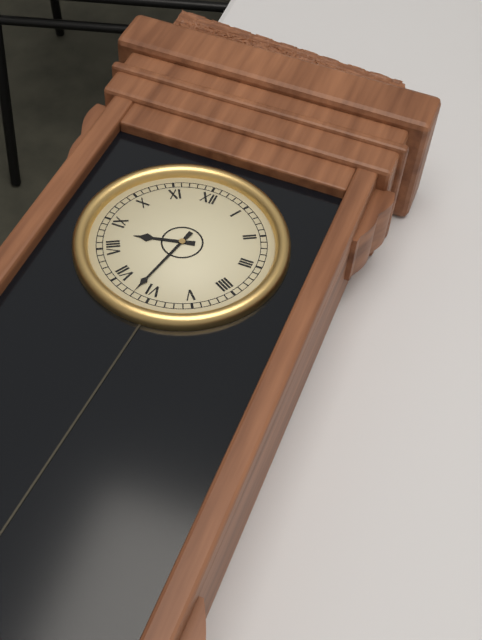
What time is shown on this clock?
8:32
